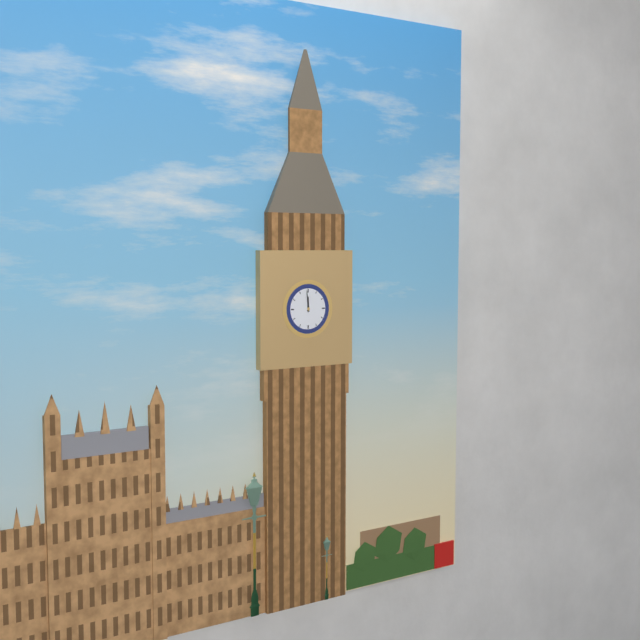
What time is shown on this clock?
11:59
